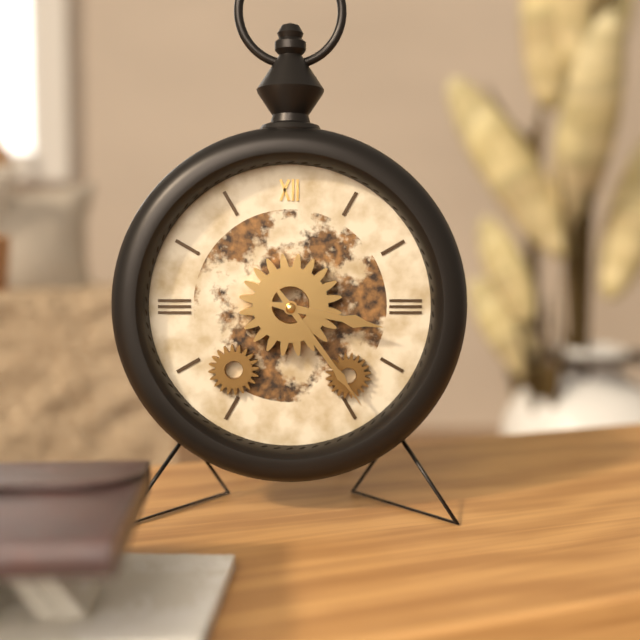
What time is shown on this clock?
3:24
